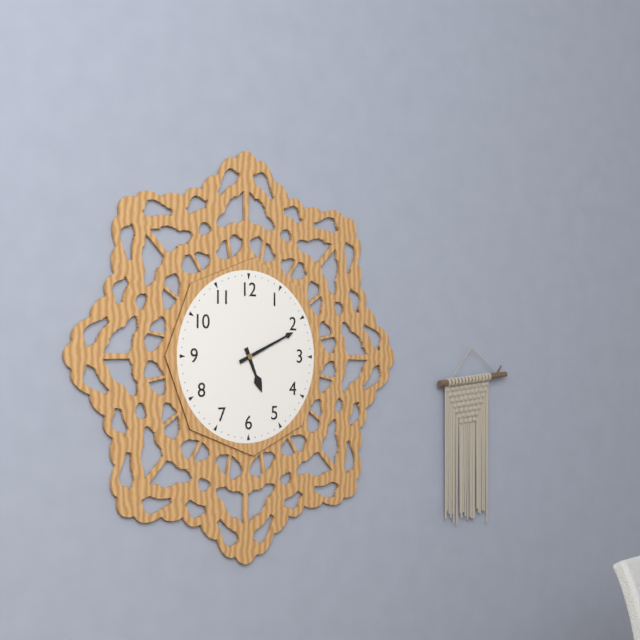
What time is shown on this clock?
5:11
